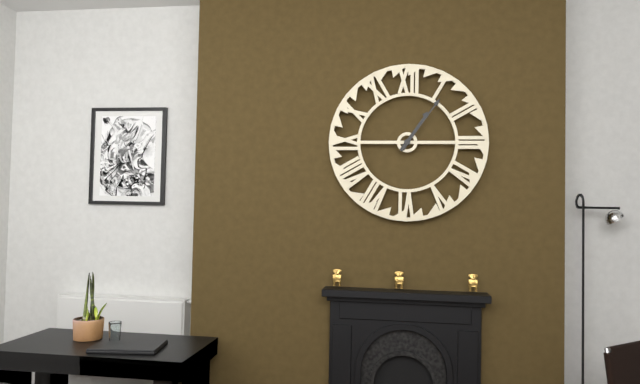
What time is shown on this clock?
1:06
